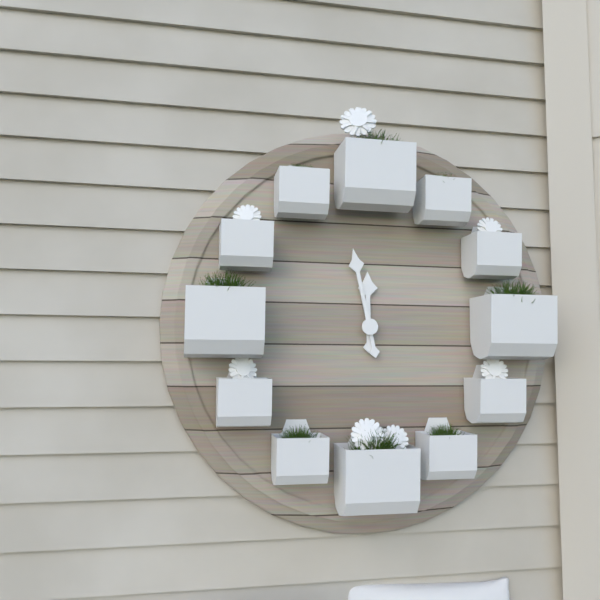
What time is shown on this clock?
11:58
